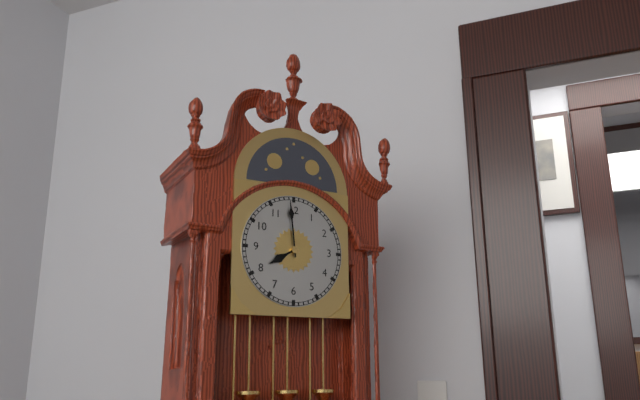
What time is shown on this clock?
7:59
